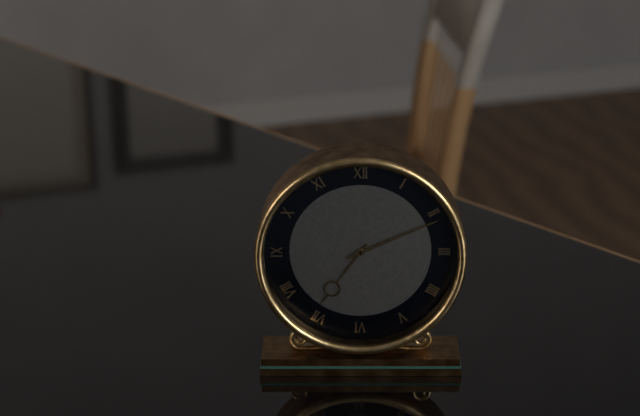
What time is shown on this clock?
7:11
